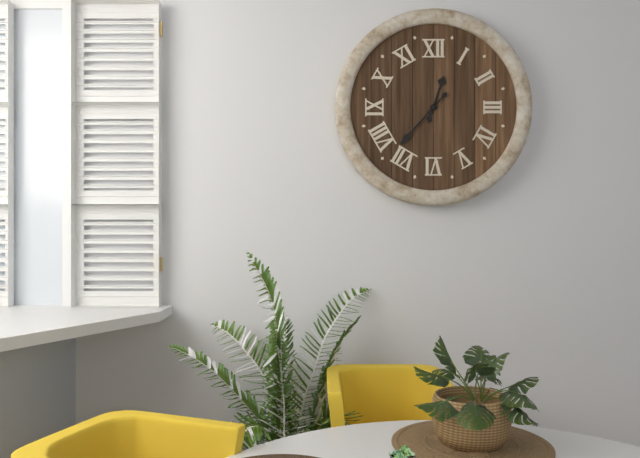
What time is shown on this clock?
12:37
